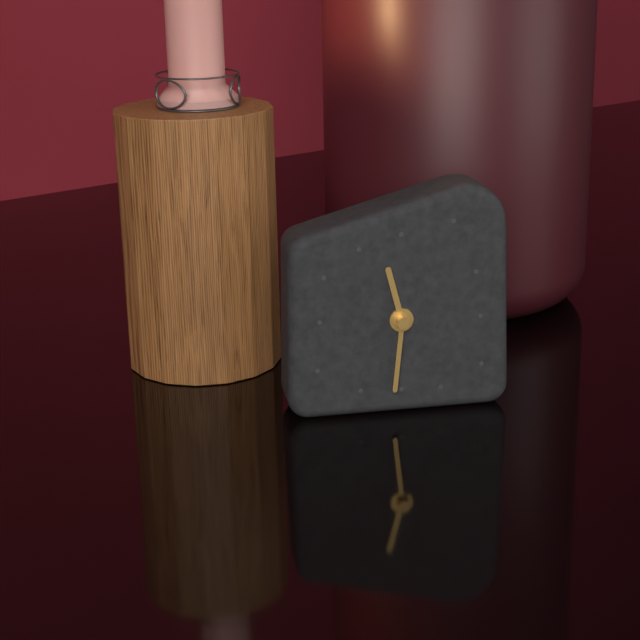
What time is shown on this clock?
11:31
